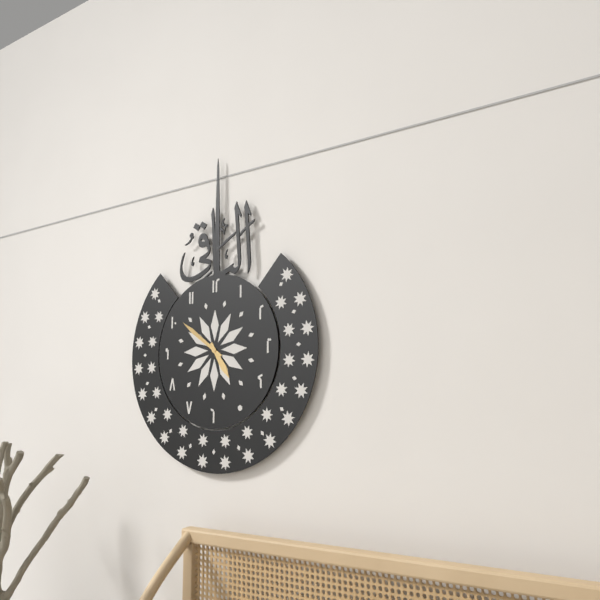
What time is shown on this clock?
4:51
